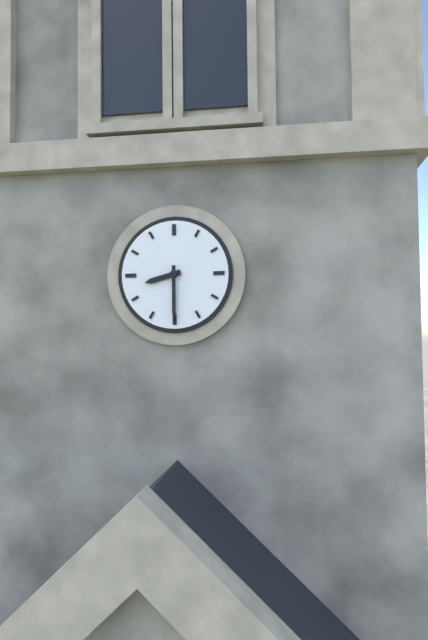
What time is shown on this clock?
8:30
